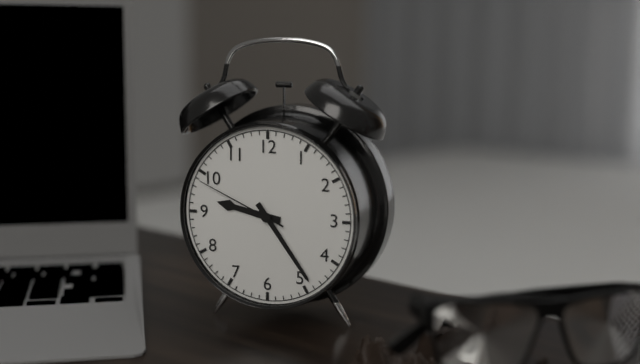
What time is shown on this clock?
9:24:49
